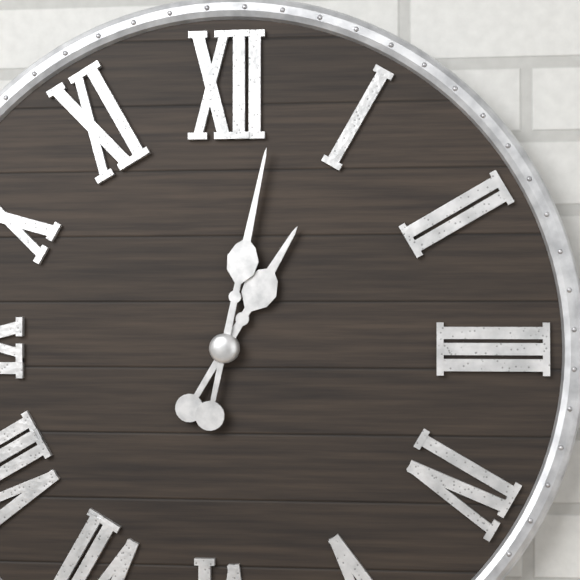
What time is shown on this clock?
1:02
